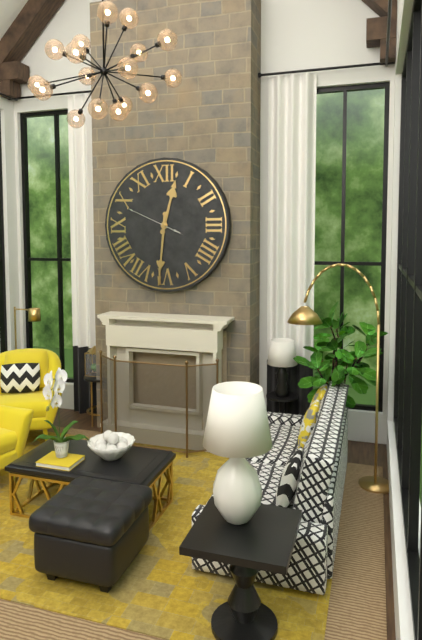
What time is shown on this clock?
12:31:49
